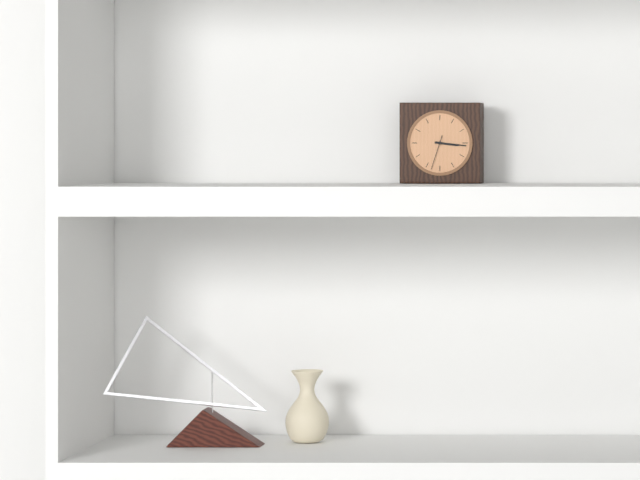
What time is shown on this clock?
3:16
